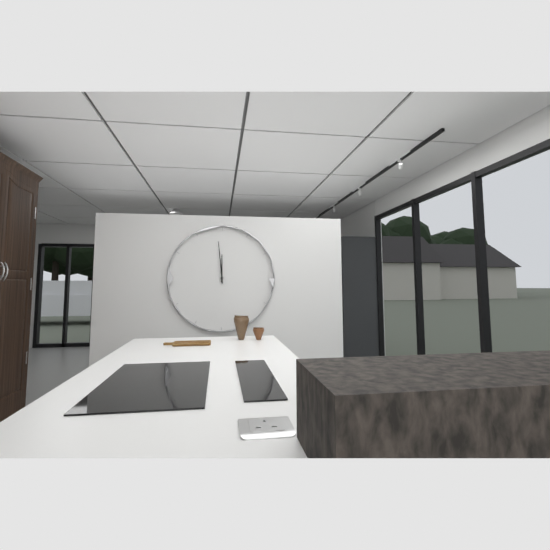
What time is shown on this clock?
11:59
